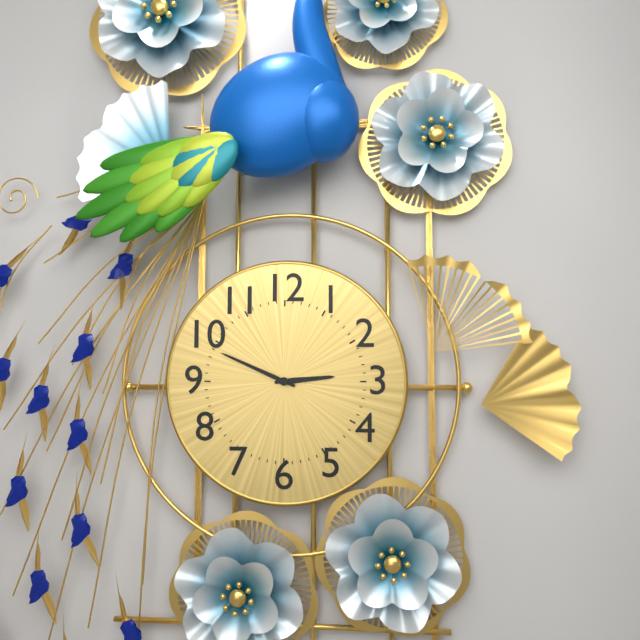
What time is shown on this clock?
2:49
